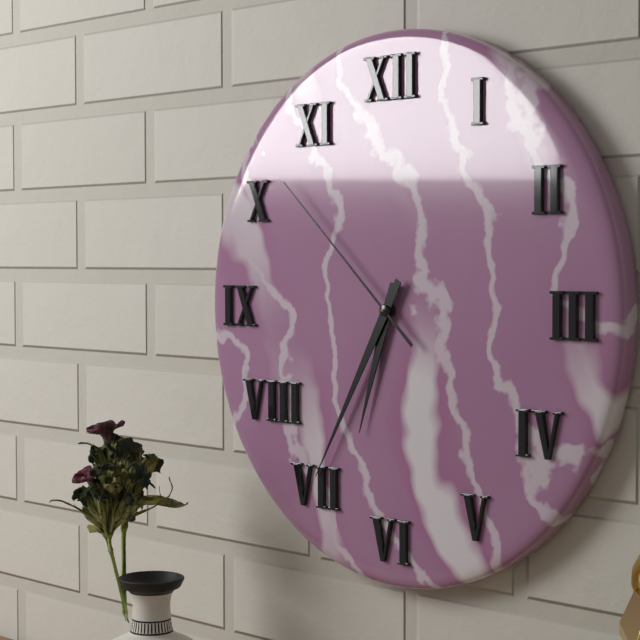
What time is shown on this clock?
6:35:52
